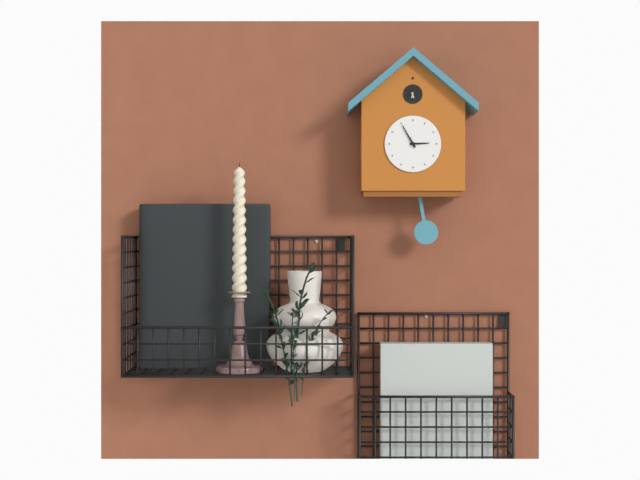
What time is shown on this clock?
2:55
